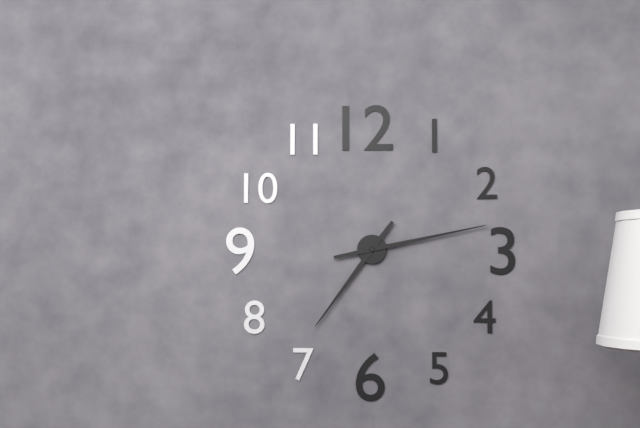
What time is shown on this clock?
7:13
